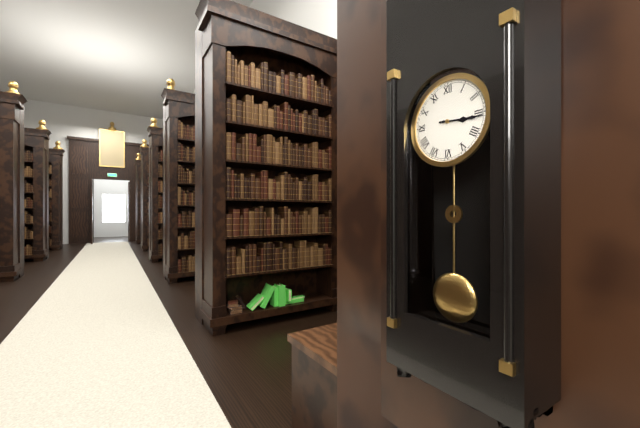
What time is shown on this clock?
3:16
